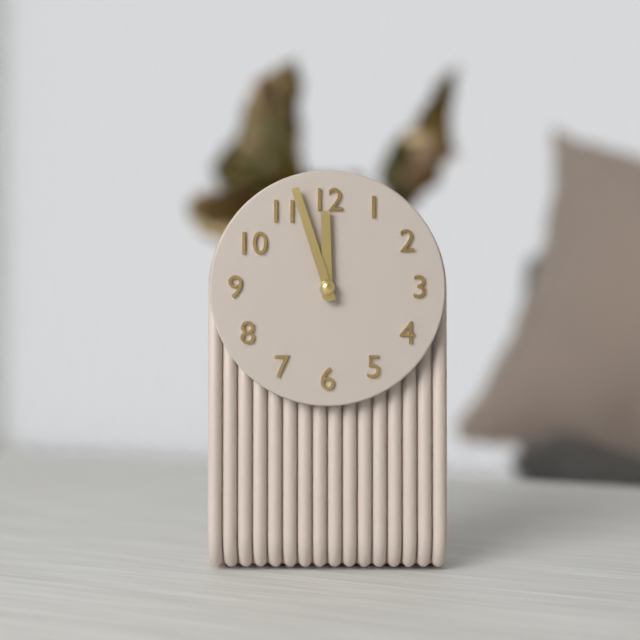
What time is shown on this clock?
11:57
